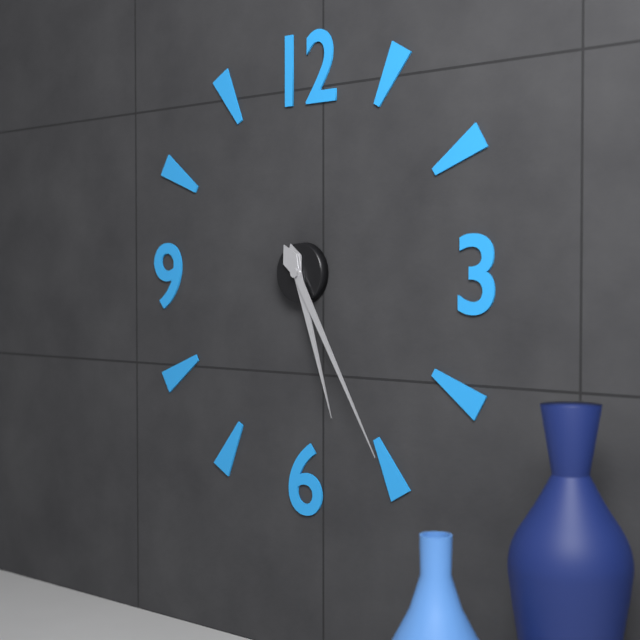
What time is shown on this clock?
5:25
